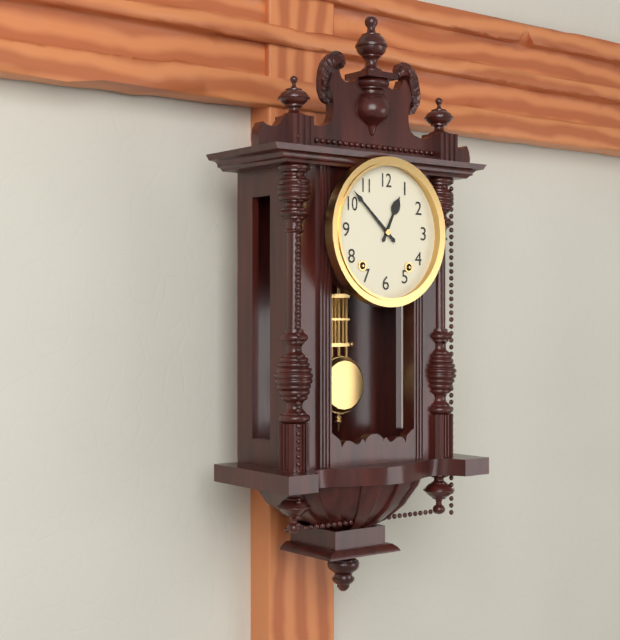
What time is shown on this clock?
12:52
